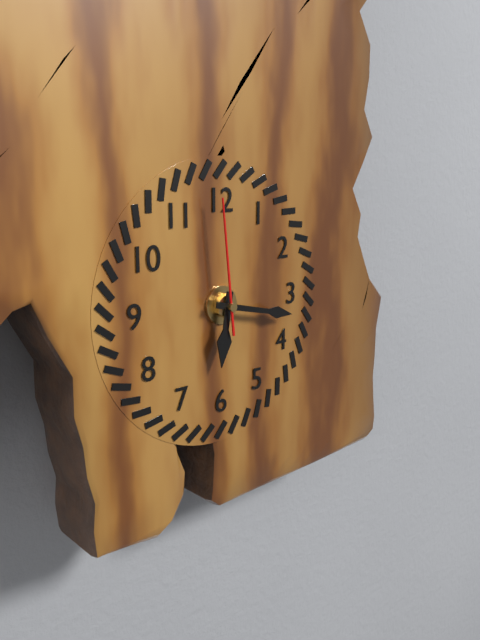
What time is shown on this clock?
6:17:59
